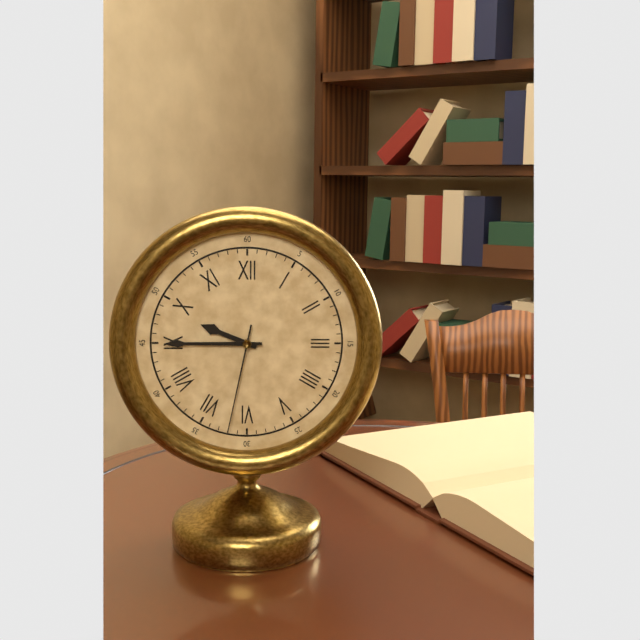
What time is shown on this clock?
9:45:32
